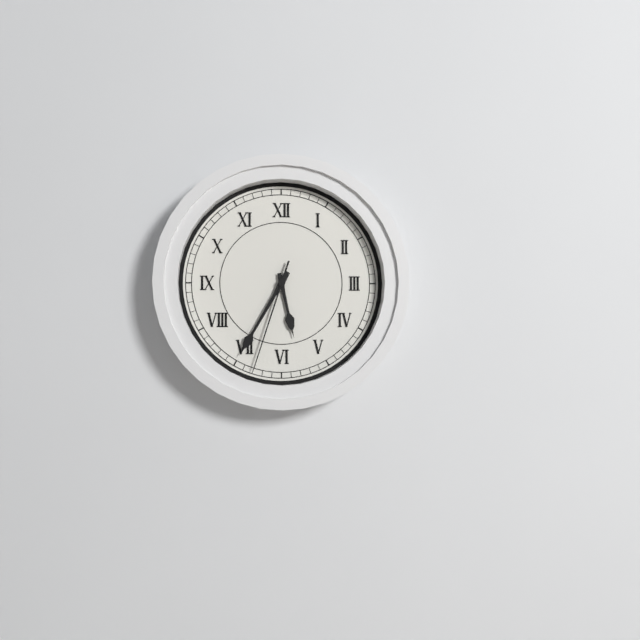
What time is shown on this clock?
5:35:33
